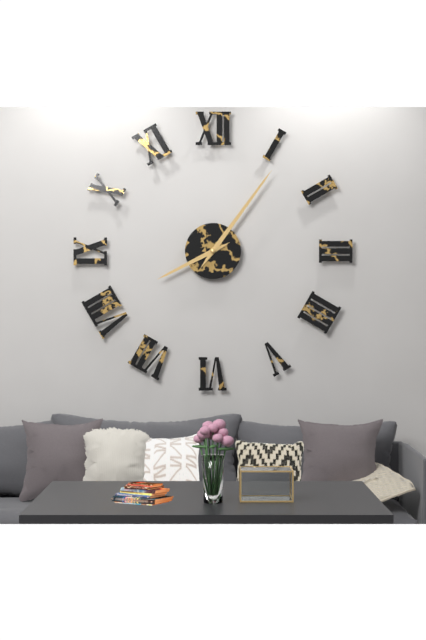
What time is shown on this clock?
8:06
